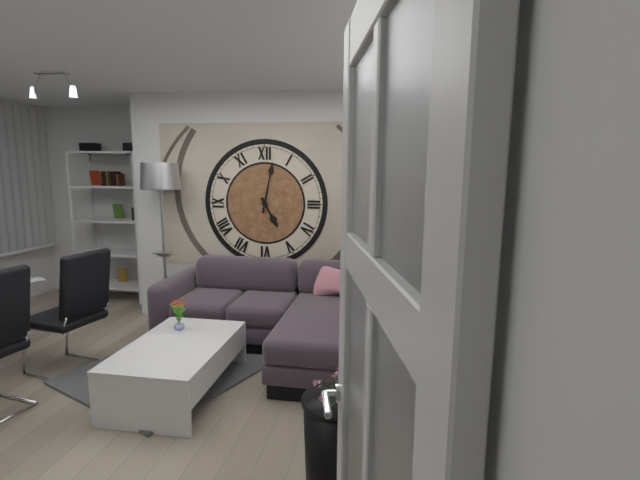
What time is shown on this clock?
5:02
